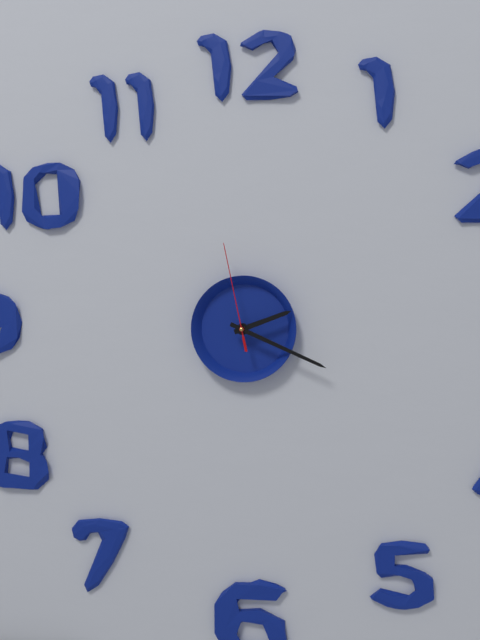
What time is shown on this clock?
2:19:58
